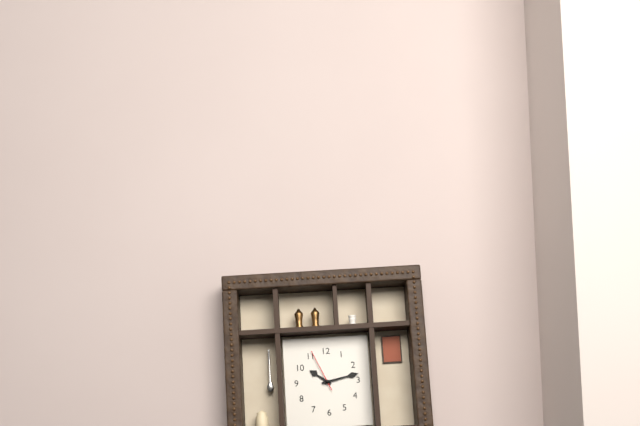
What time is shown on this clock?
10:13
